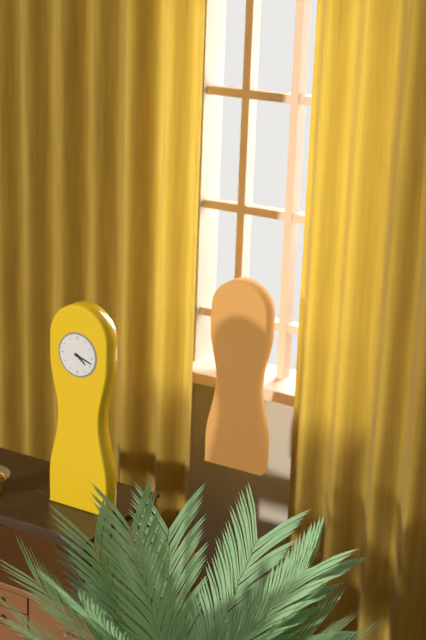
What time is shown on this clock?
4:18
